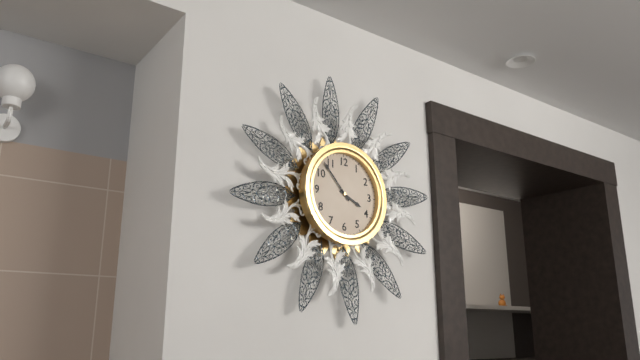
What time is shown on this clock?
3:53
